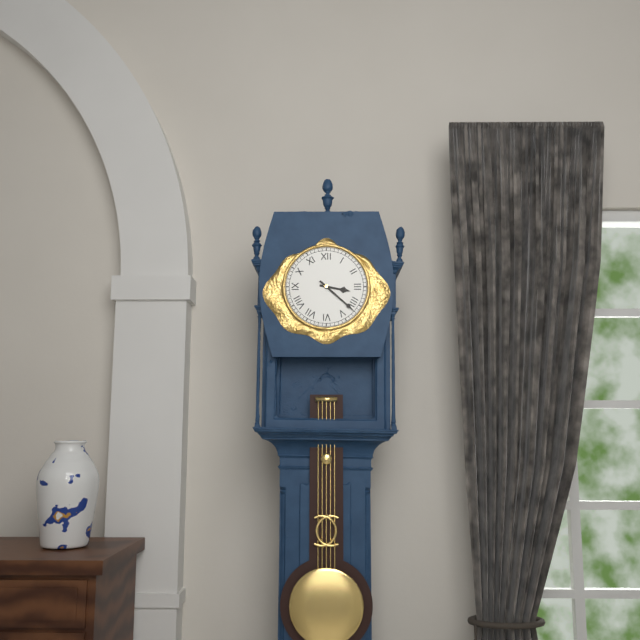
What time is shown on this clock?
3:22
